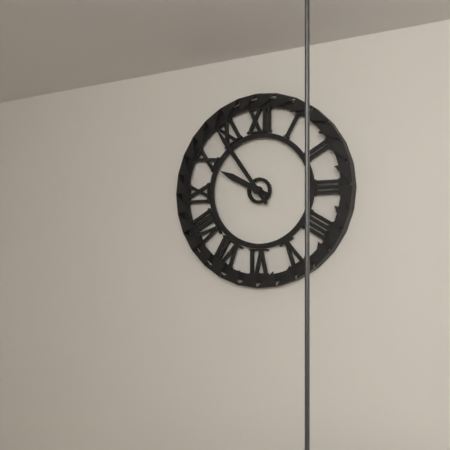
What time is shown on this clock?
9:54
